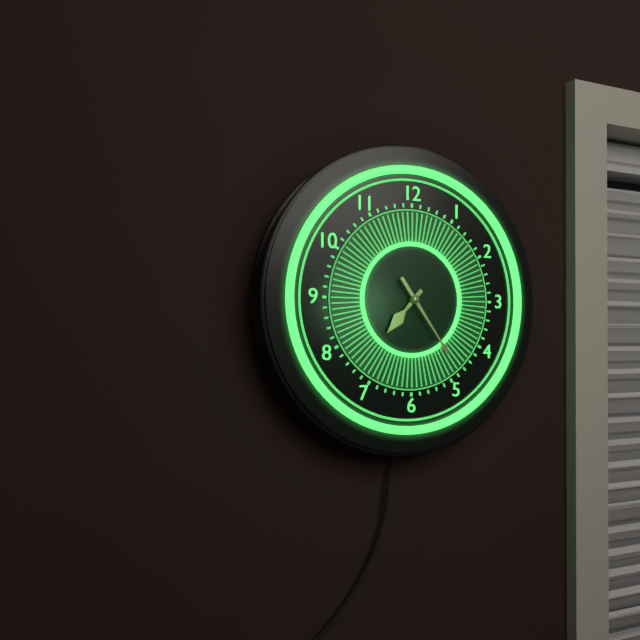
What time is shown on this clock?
7:24
